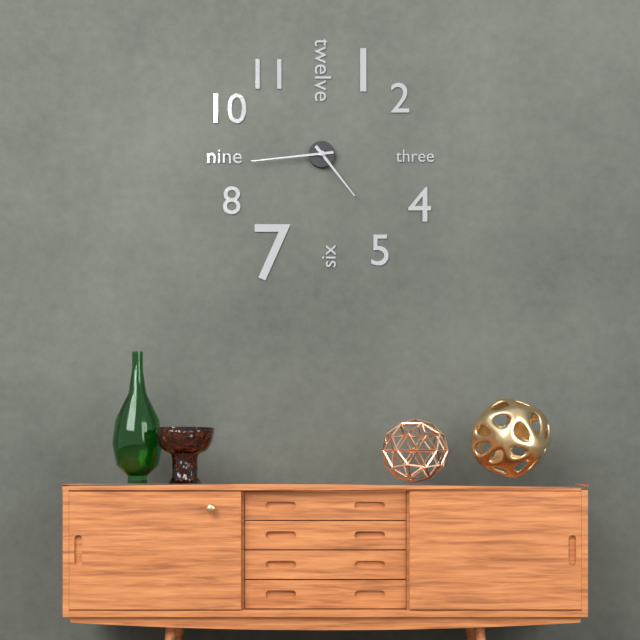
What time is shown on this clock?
4:44
